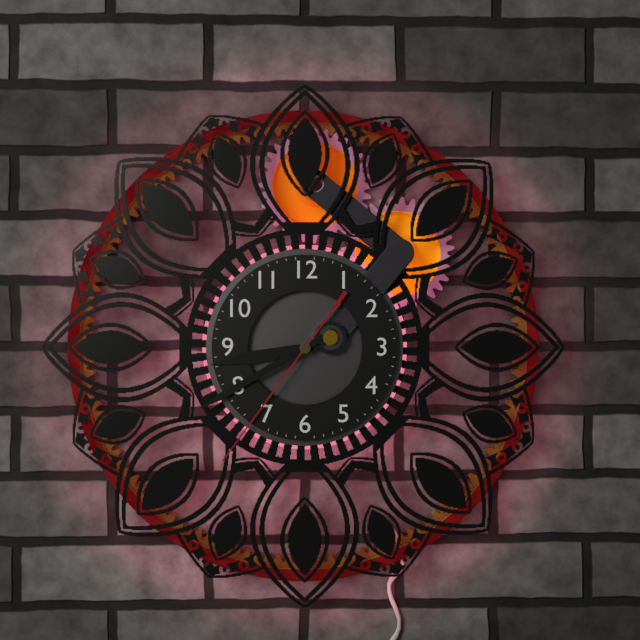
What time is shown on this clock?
8:40:36
